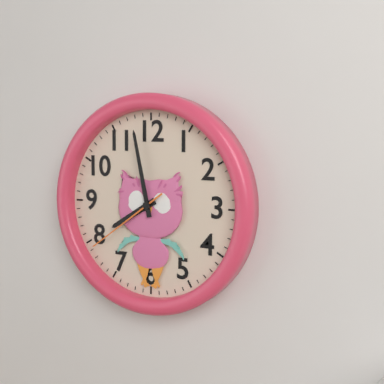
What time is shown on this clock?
7:58:39
